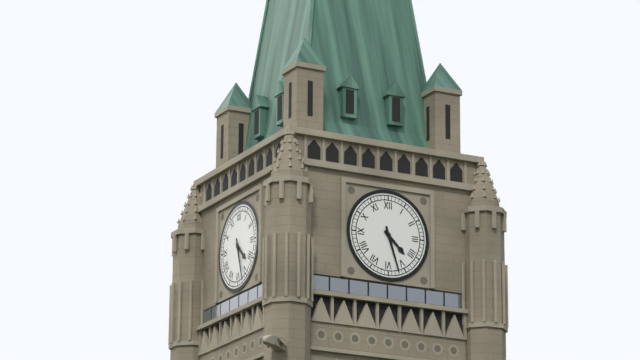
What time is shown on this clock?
4:27
